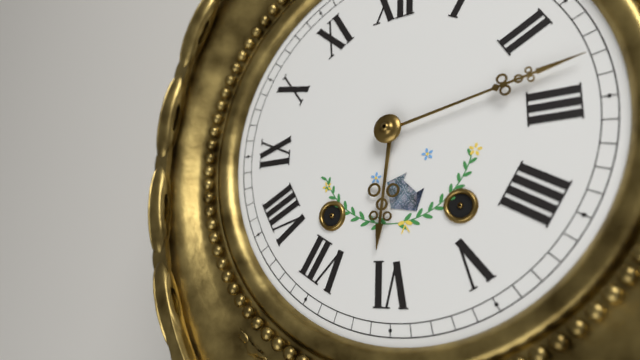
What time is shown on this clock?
6:13
